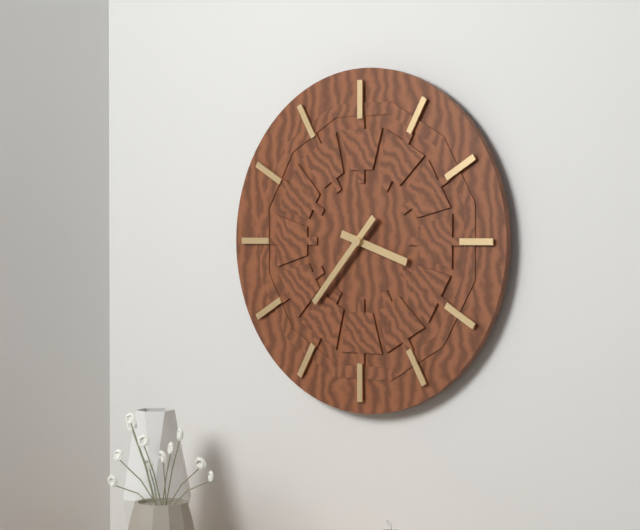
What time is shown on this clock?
3:37
